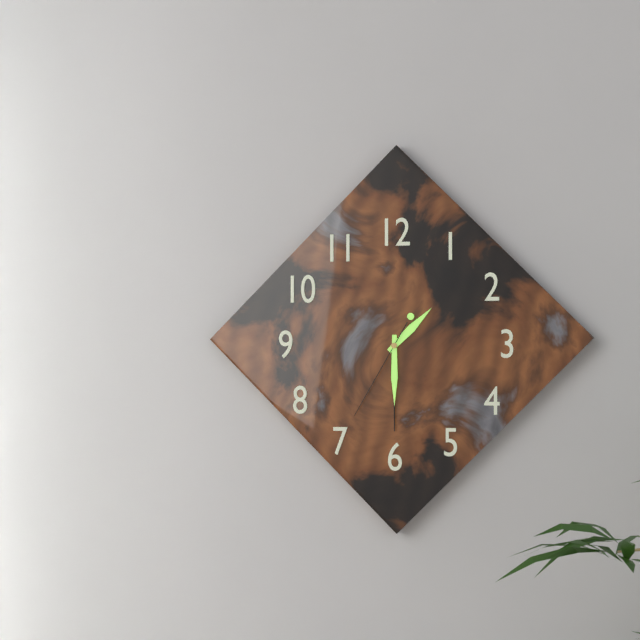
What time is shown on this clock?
1:30:35
